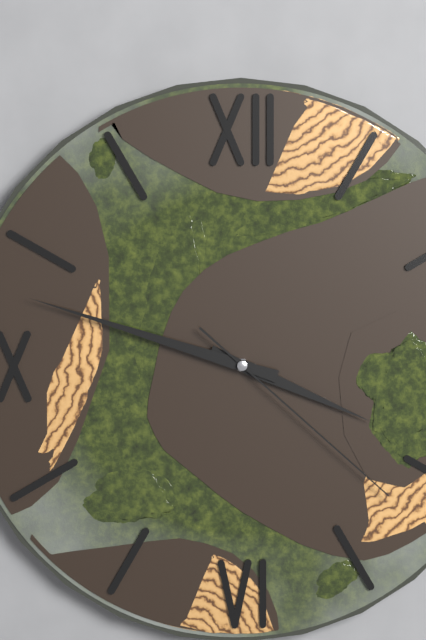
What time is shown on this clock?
3:48:22
